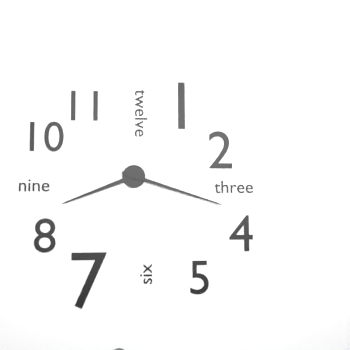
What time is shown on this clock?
8:18
